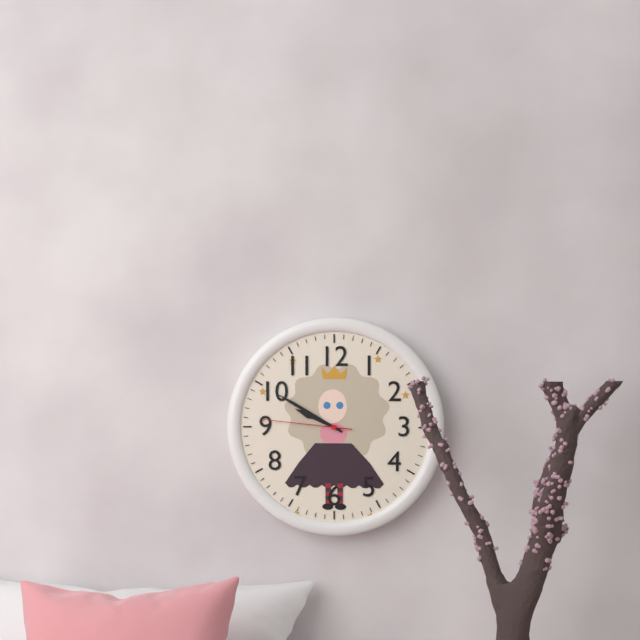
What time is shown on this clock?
9:50:46
